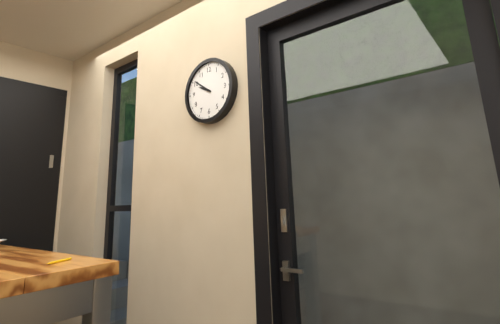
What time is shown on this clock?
9:51
